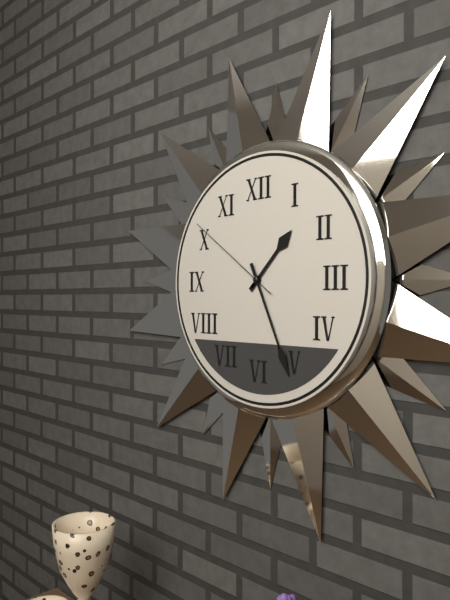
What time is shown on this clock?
1:26:51
